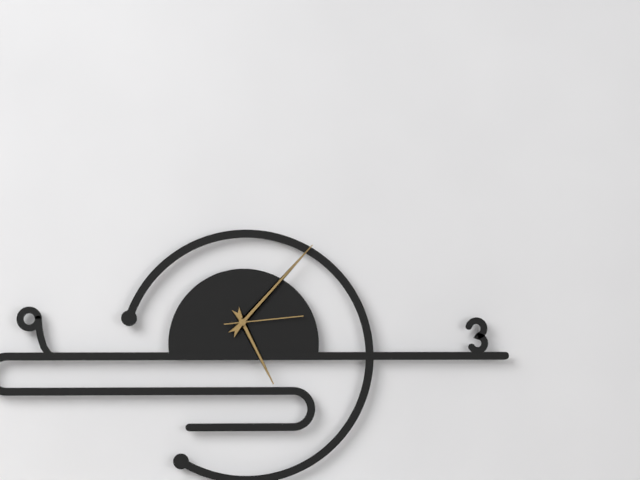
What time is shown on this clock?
5:07:14
